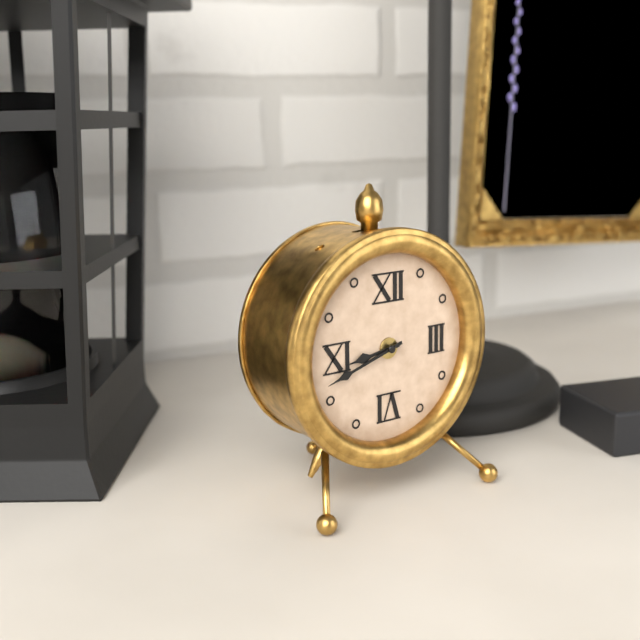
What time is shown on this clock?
8:42
